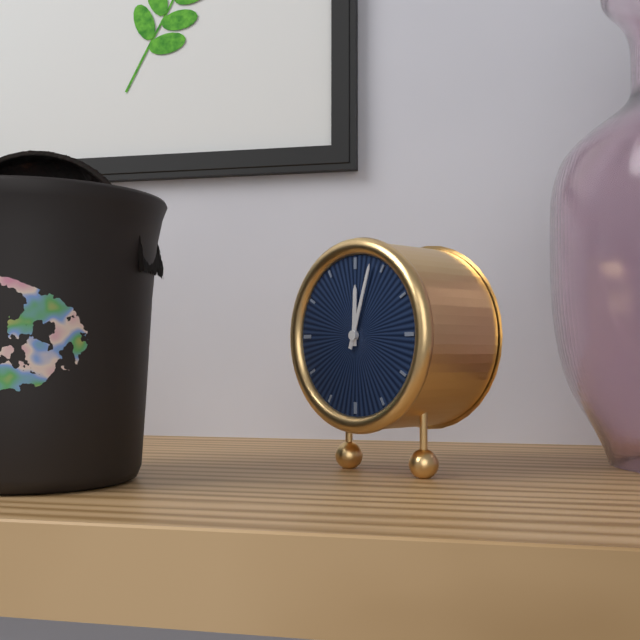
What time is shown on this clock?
12:03
